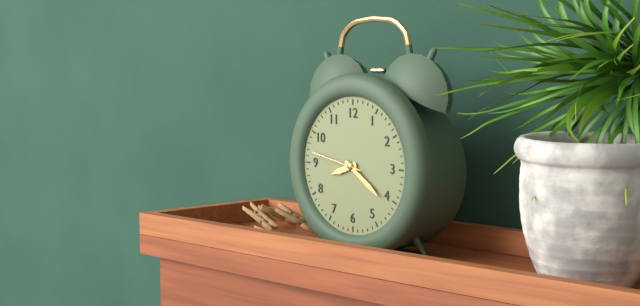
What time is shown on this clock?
8:21:47
